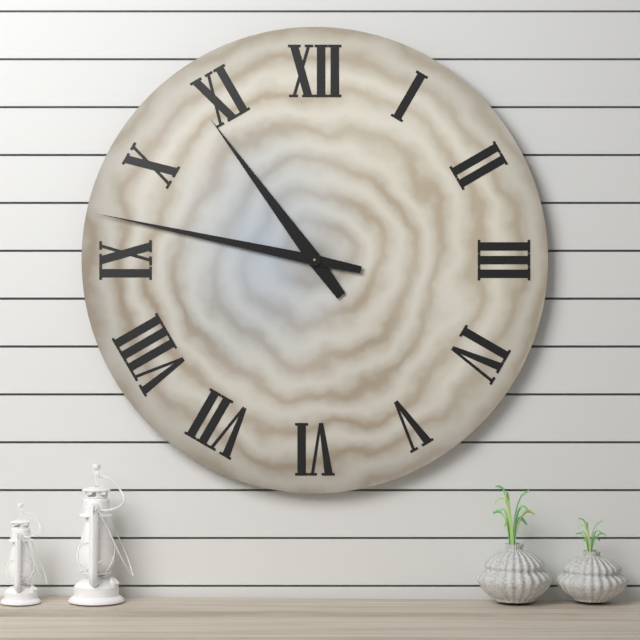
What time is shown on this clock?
10:47
